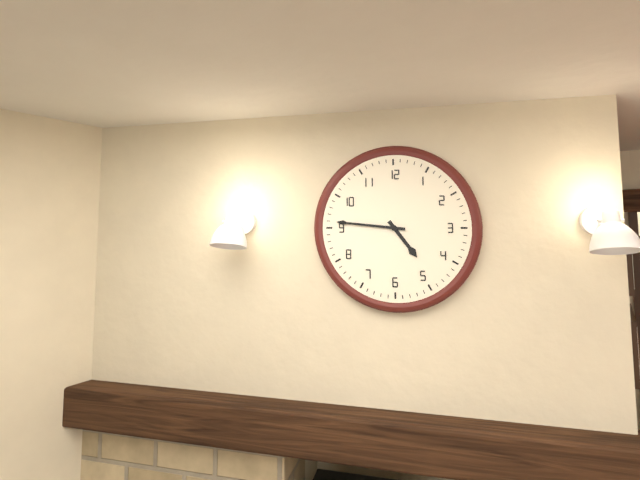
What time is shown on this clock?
4:46
